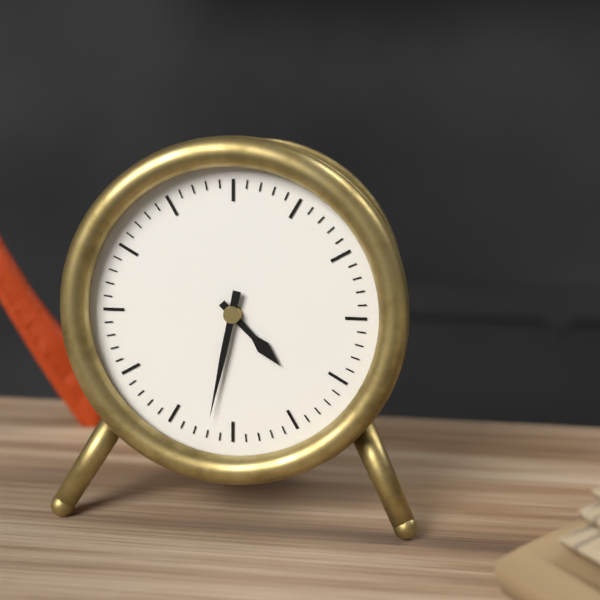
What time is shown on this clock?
4:32
